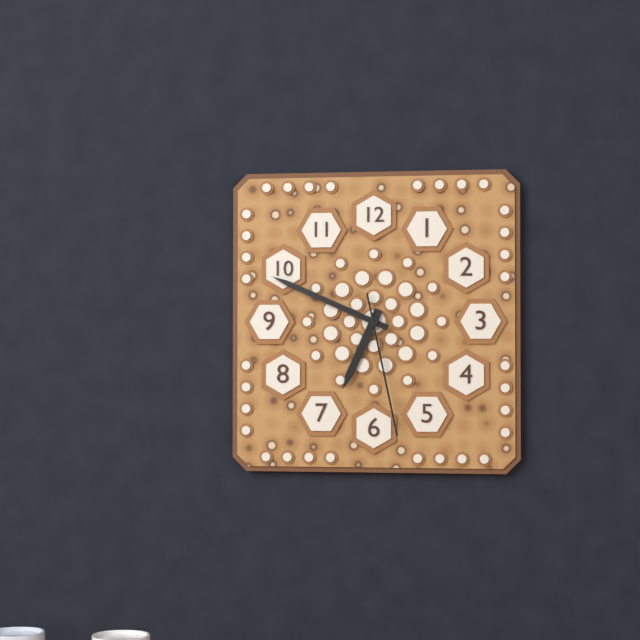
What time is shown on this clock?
6:49:28
